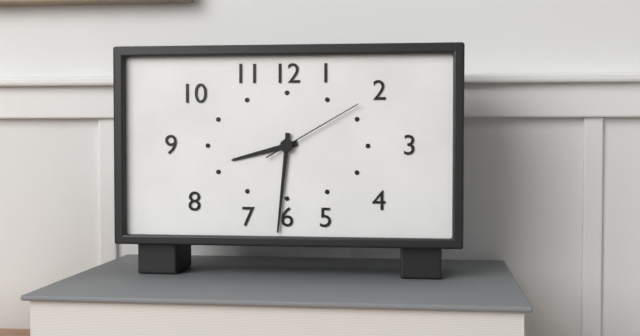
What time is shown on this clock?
8:31:10
